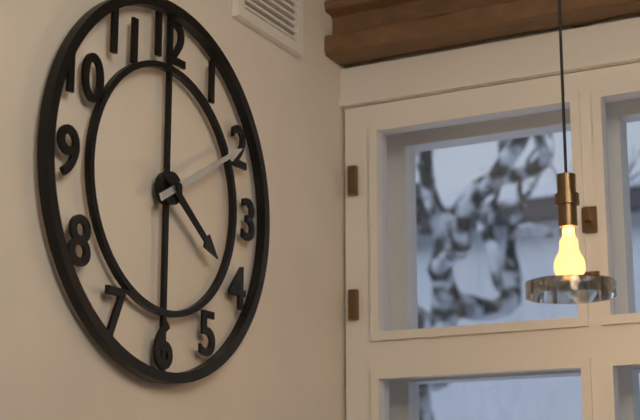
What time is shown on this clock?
4:10
